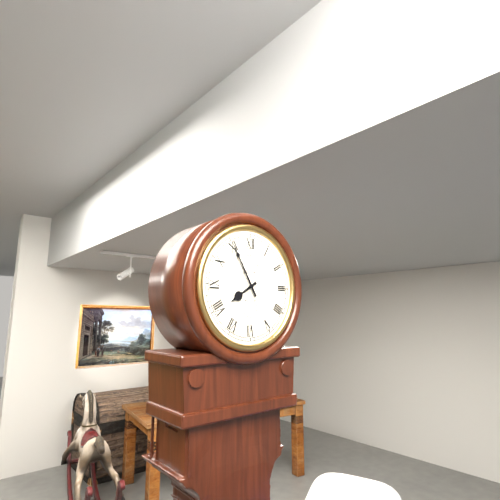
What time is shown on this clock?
7:55
